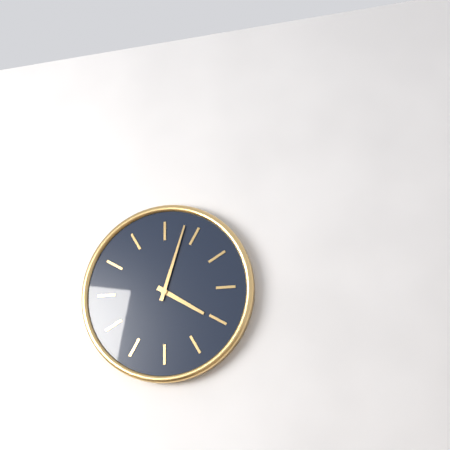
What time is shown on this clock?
4:03
